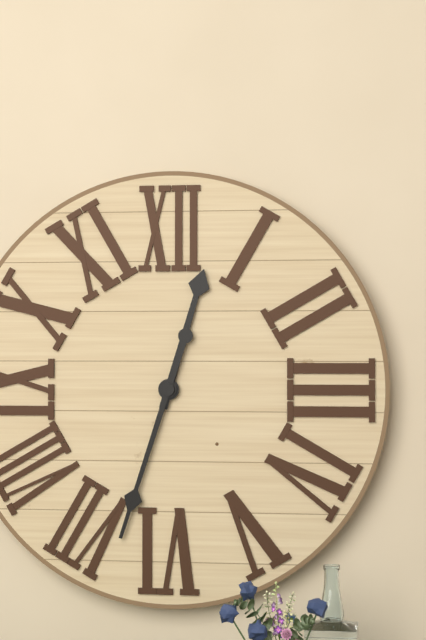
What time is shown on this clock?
12:33
